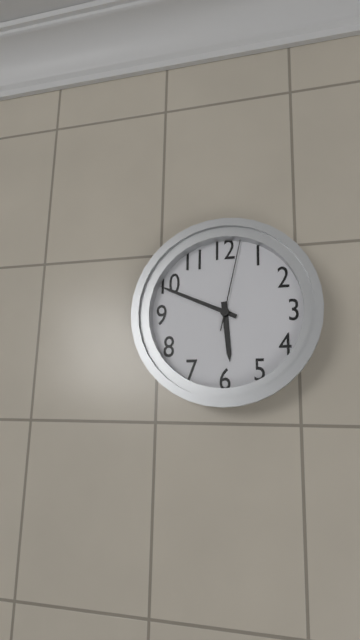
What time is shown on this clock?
5:49:02
